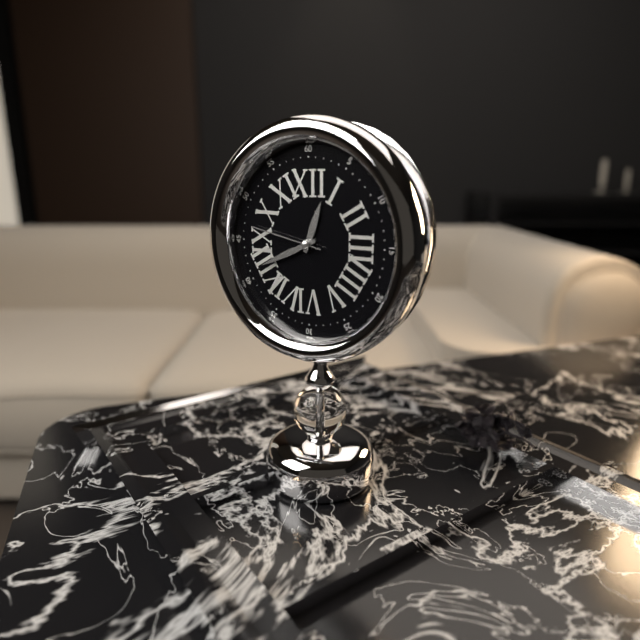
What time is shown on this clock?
12:41:47
